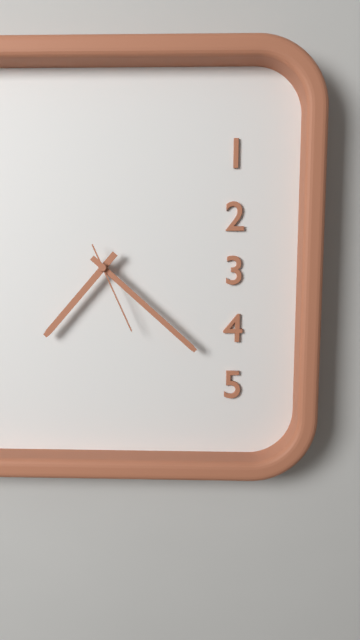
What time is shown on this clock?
7:22:26
